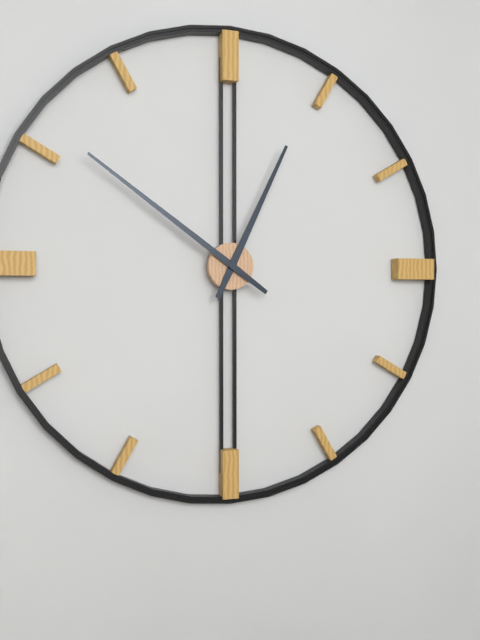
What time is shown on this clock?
12:51
